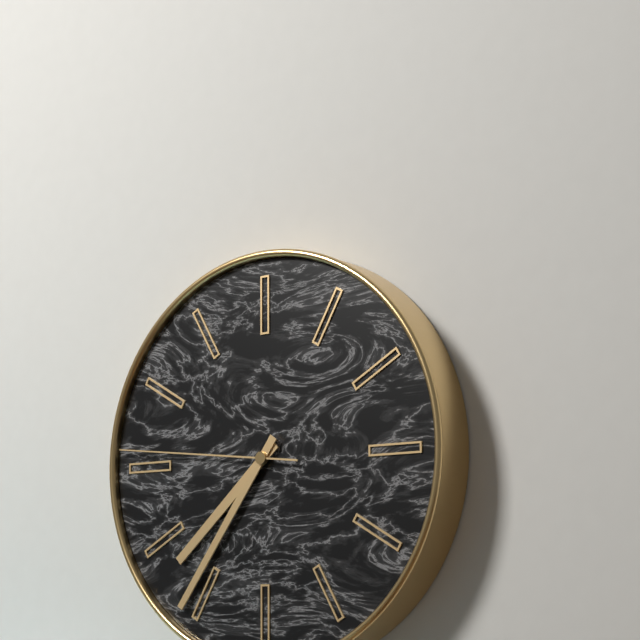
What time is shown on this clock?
7:36:46
